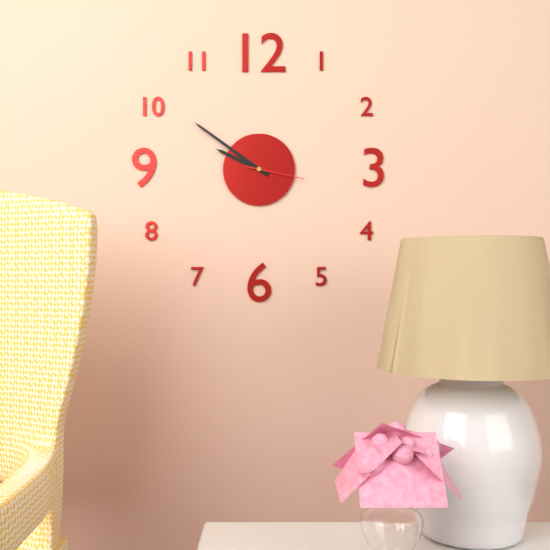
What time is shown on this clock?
9:51:17
